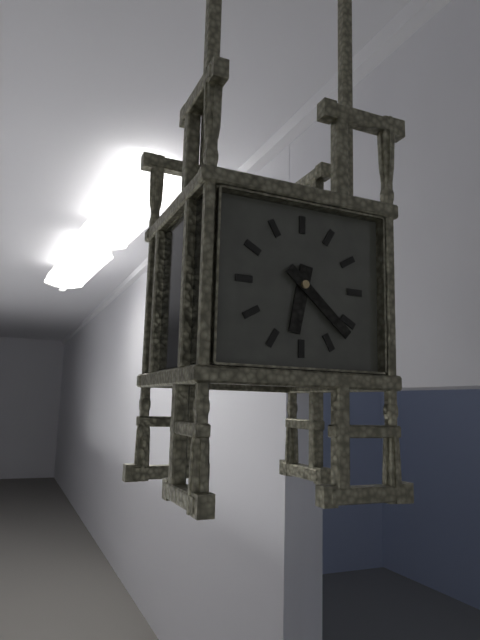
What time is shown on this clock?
6:22
